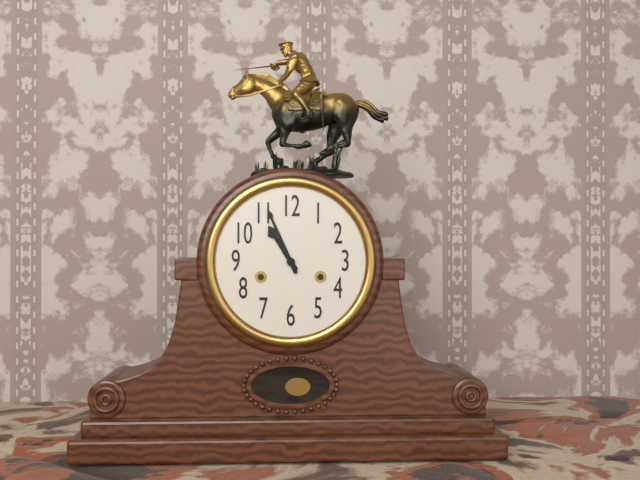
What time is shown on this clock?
10:56
